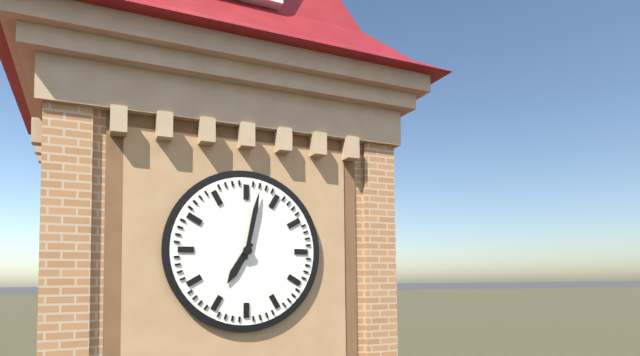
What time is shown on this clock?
7:02
